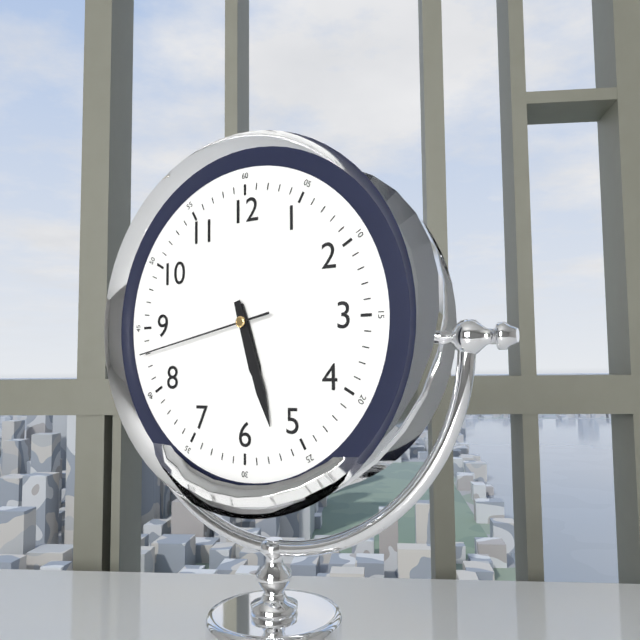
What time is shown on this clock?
5:27:43
